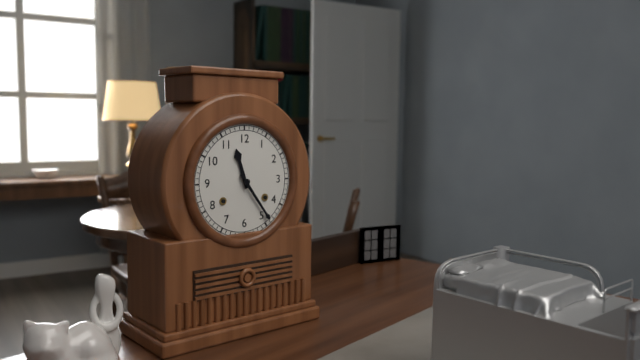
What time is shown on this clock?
11:24
